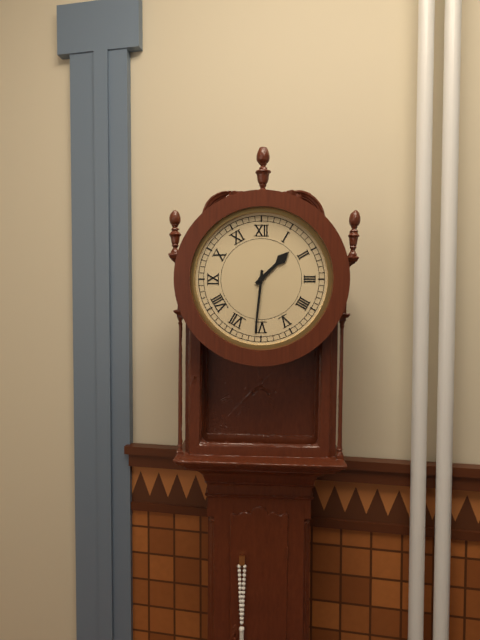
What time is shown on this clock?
1:31
